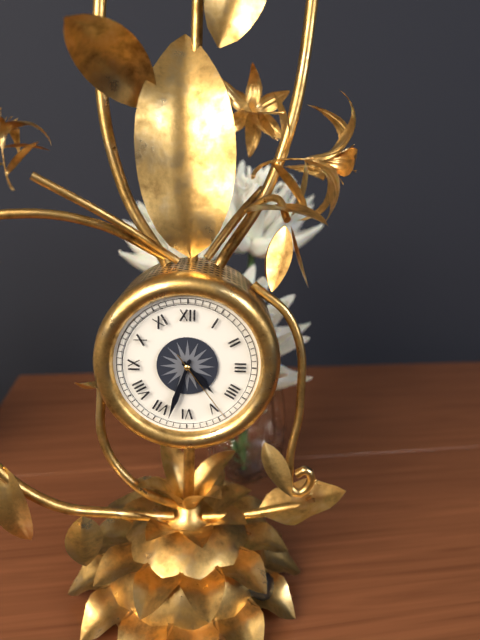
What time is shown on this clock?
4:33:24
